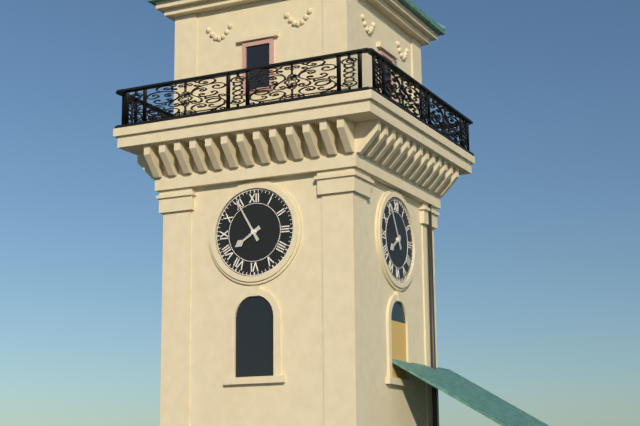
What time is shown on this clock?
7:55
